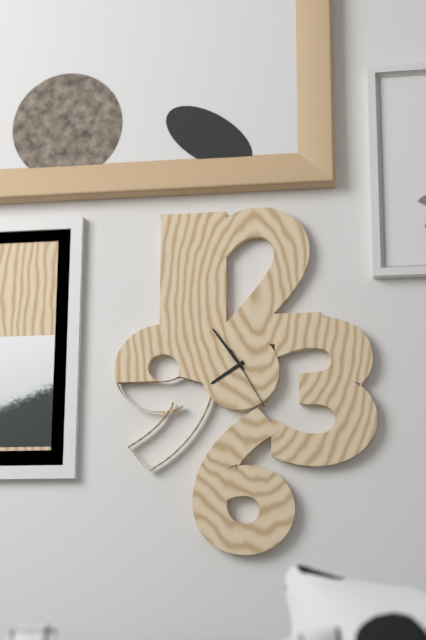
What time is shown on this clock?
7:54:25
